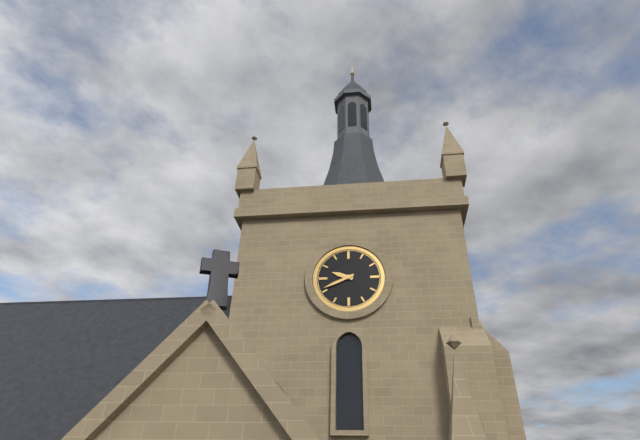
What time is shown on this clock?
9:41
